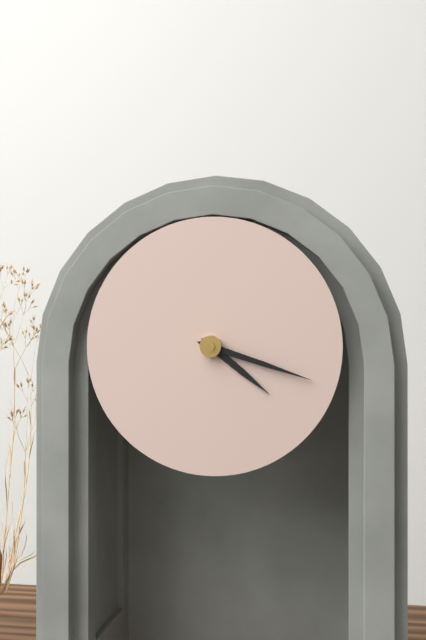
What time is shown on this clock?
4:18
